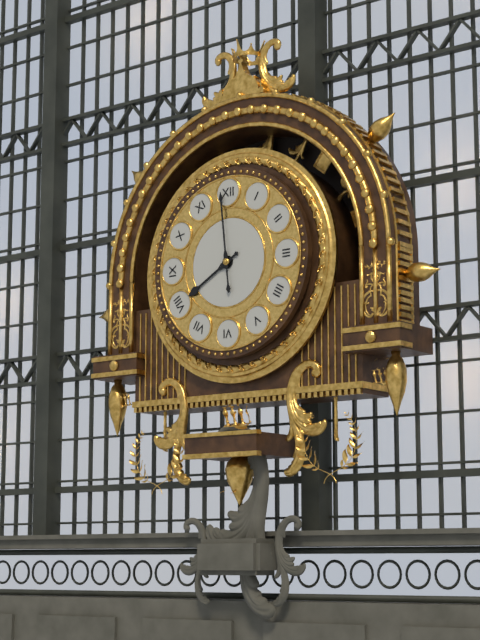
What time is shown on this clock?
7:59
